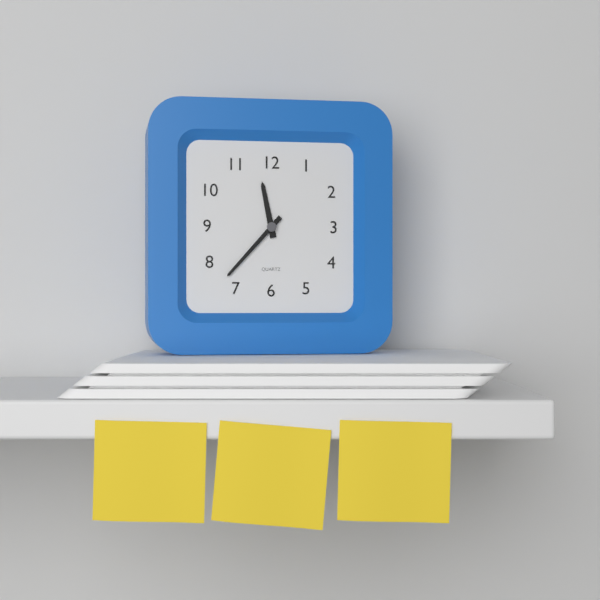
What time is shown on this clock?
11:37
